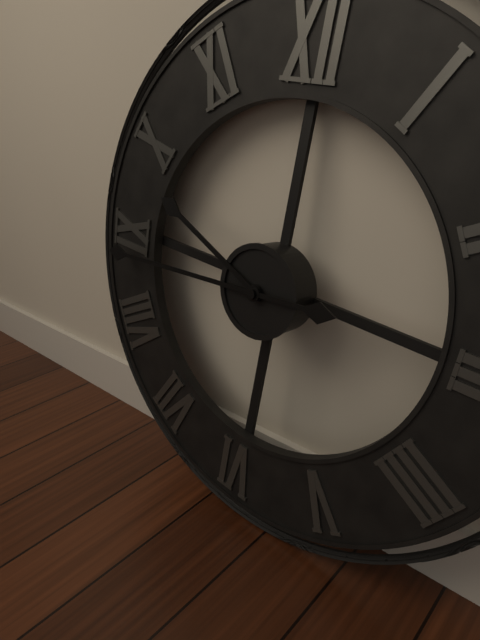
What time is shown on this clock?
9:44
